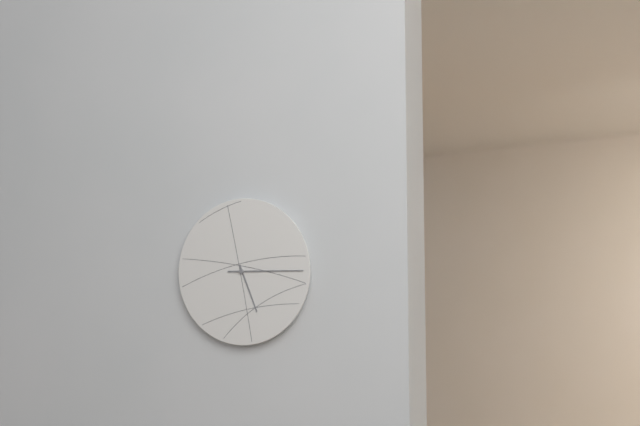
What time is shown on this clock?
5:15
